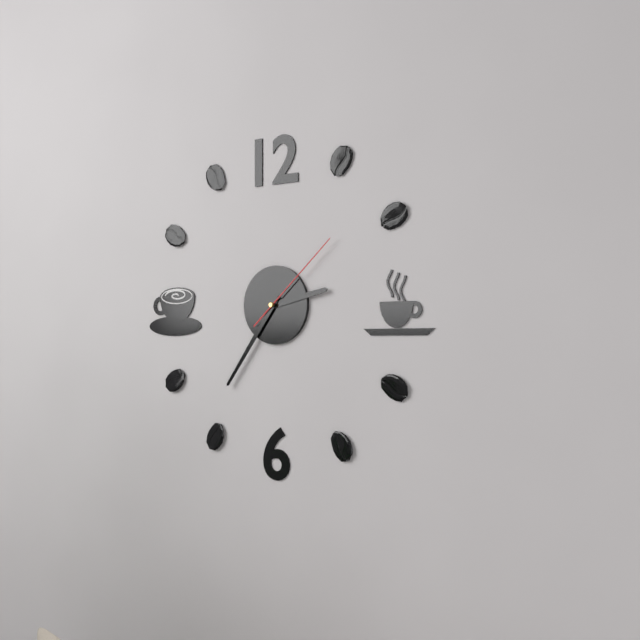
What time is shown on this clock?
2:36:08
